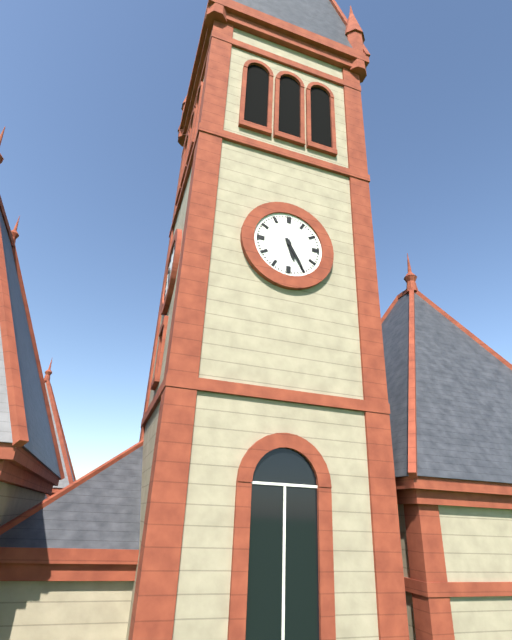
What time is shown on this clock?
5:25
